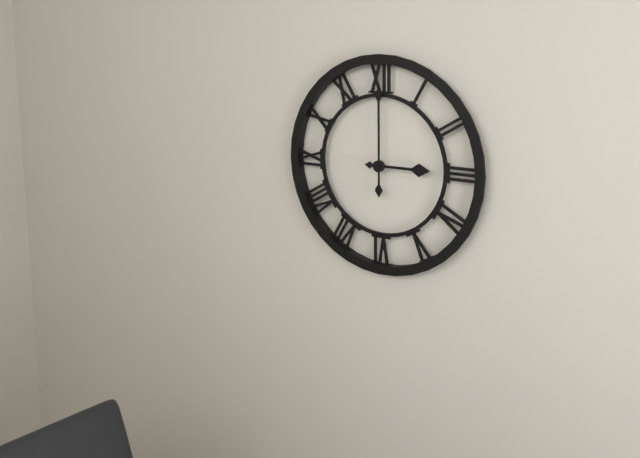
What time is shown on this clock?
3:00
